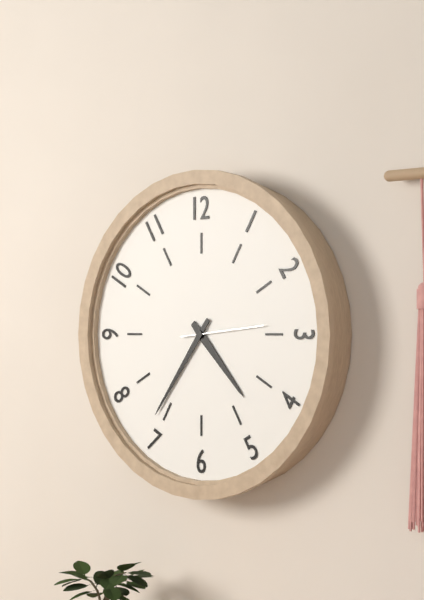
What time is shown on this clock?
4:36:14
